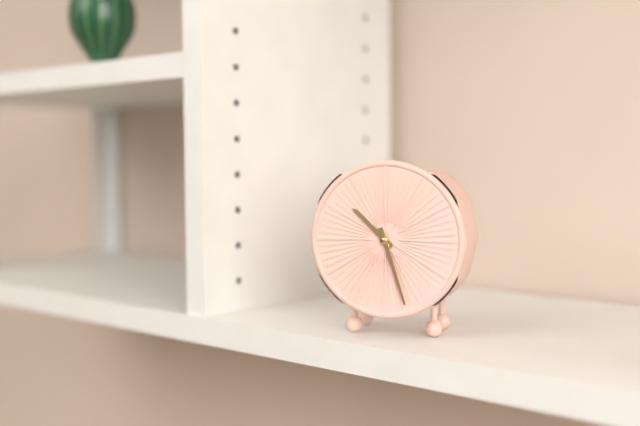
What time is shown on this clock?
10:27
